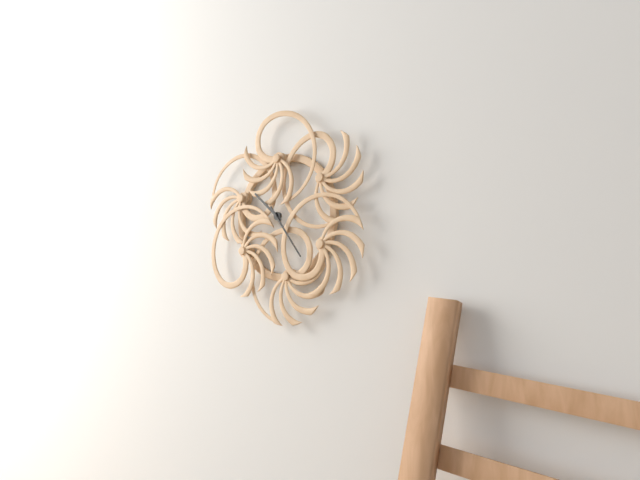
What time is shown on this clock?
10:24
